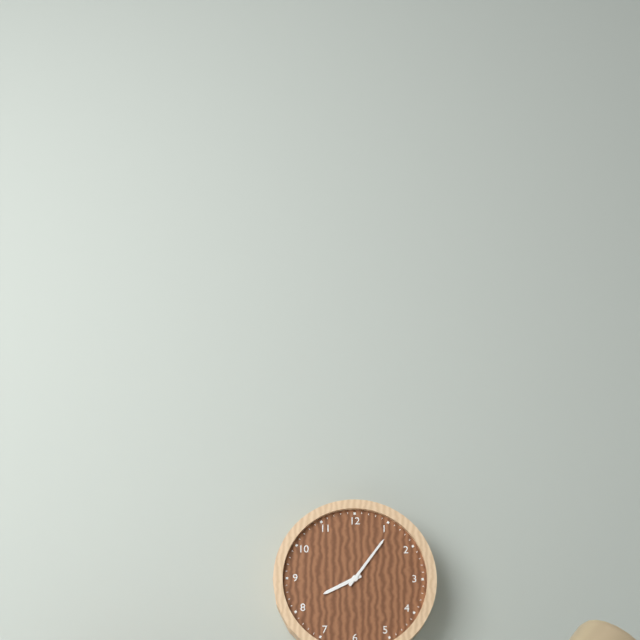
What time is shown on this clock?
8:06
